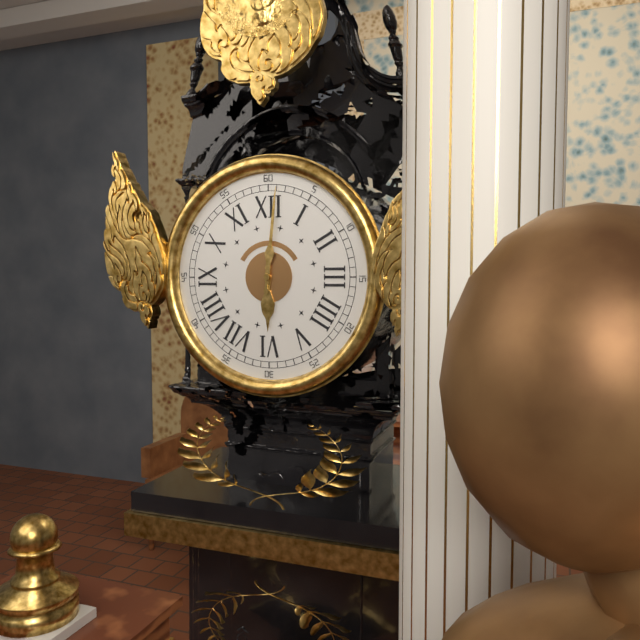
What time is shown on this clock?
6:01
